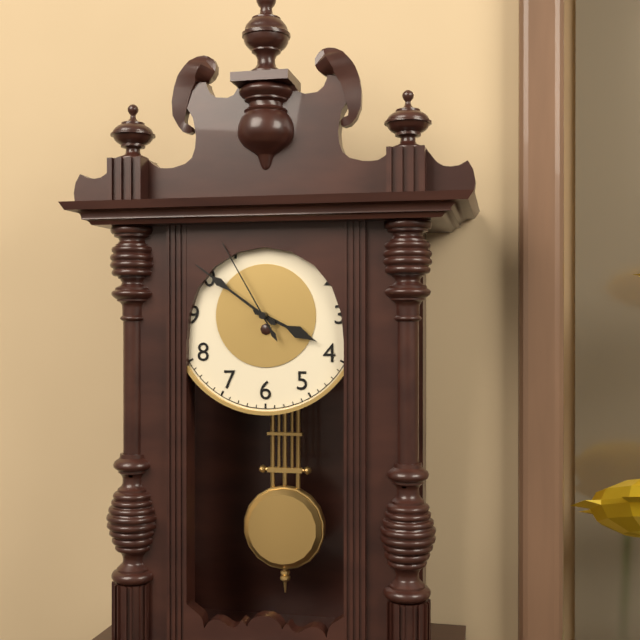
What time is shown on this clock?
3:51:55
